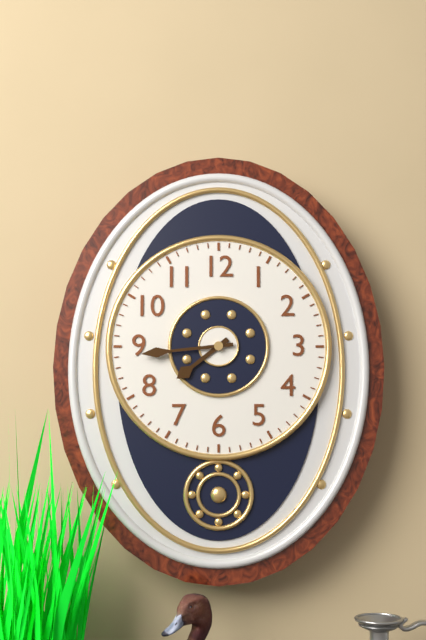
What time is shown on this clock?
7:44
